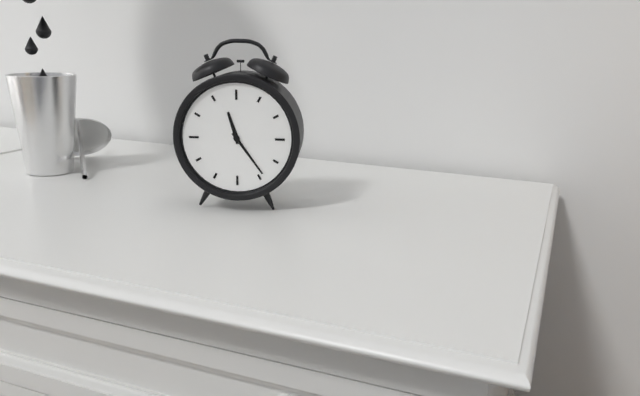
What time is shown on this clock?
11:24
